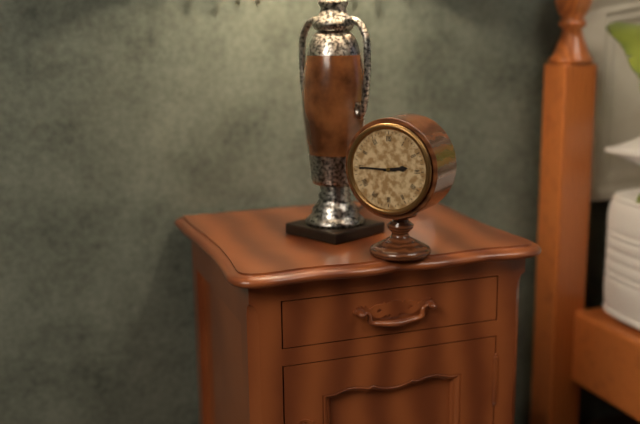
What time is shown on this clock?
2:45
